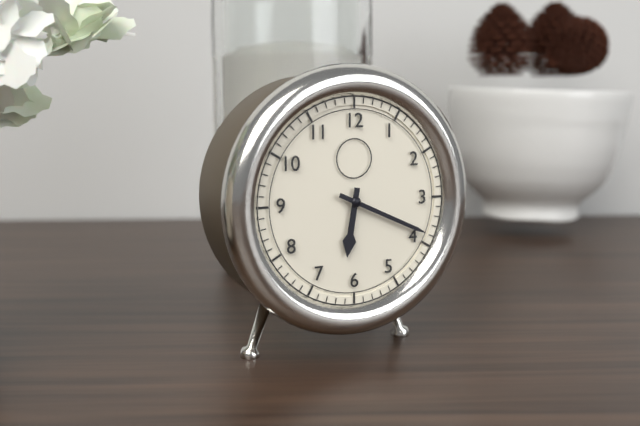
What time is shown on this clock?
6:19
